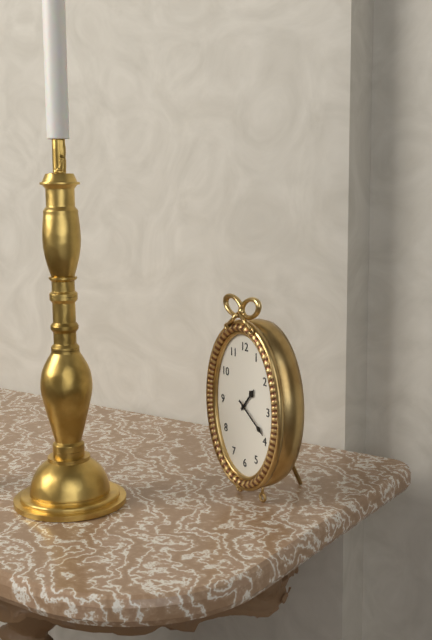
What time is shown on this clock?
1:21
